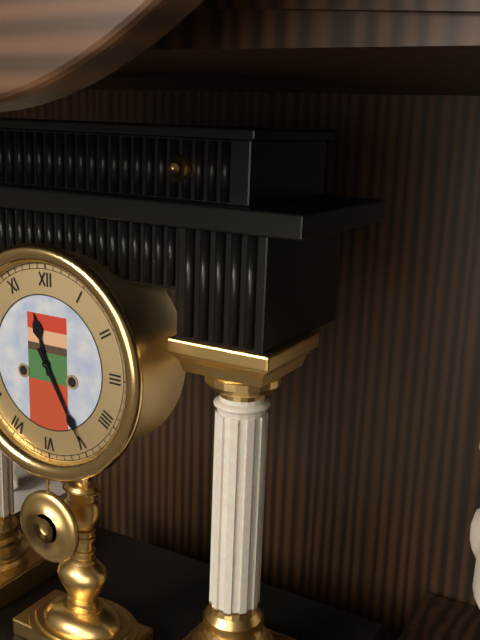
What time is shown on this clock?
11:25
